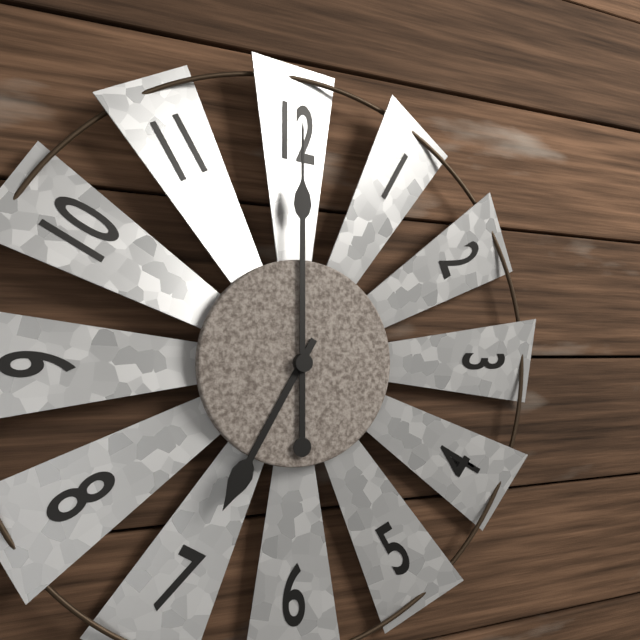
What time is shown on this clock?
7:00
